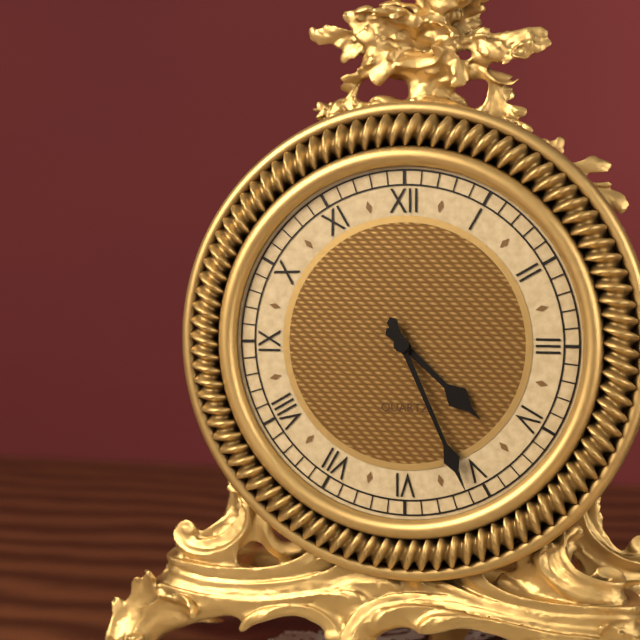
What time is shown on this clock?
4:26
